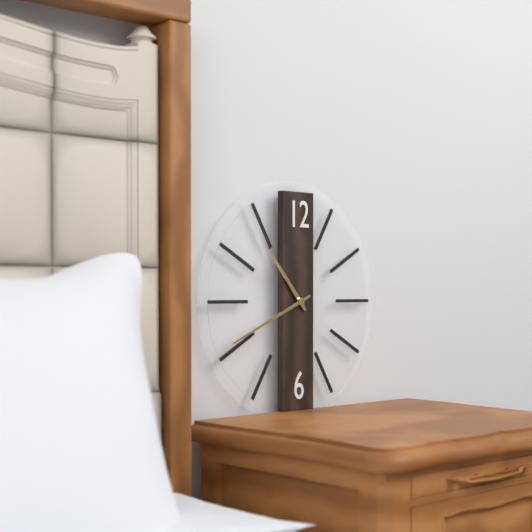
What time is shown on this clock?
10:41
